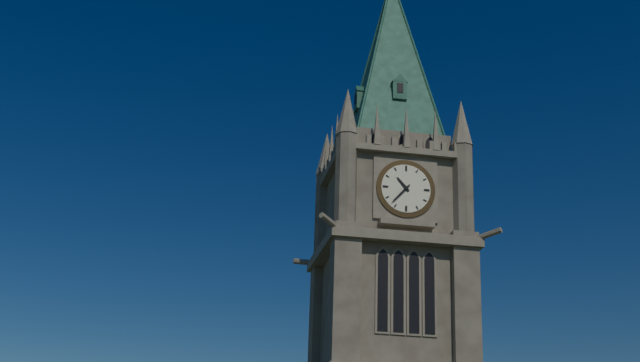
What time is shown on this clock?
10:37
